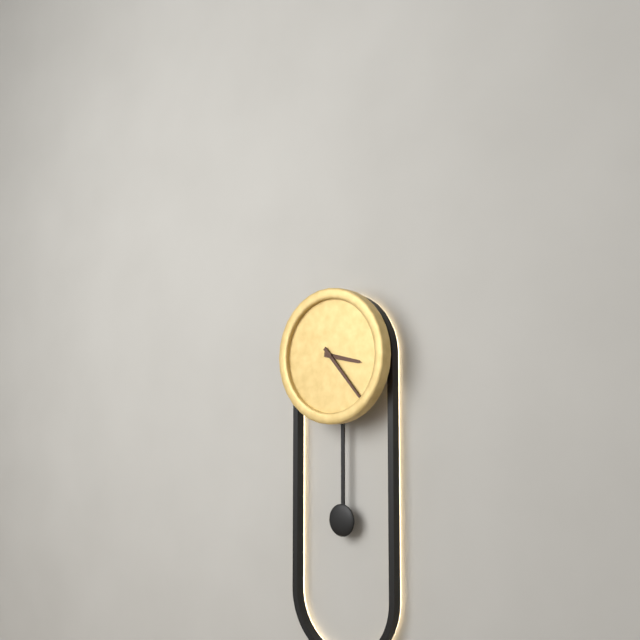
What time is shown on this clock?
3:23
